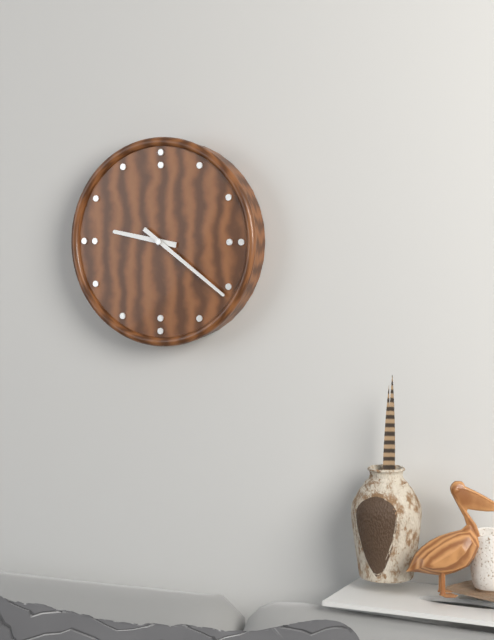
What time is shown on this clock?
9:21
